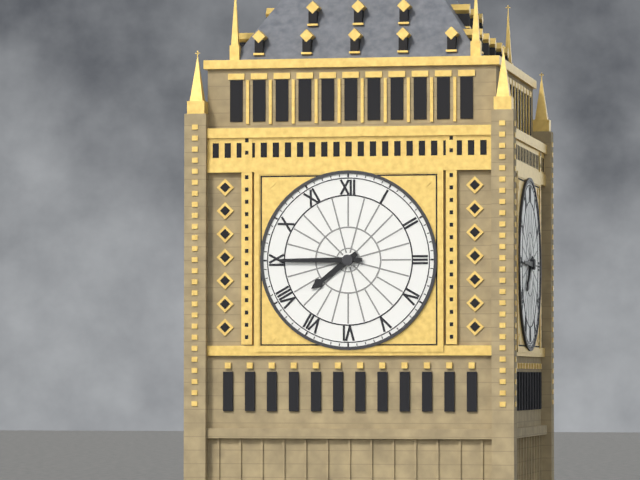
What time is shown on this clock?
7:45
